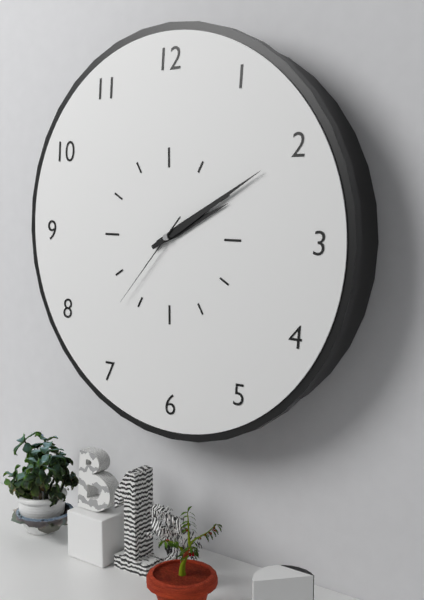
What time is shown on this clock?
2:10:37
